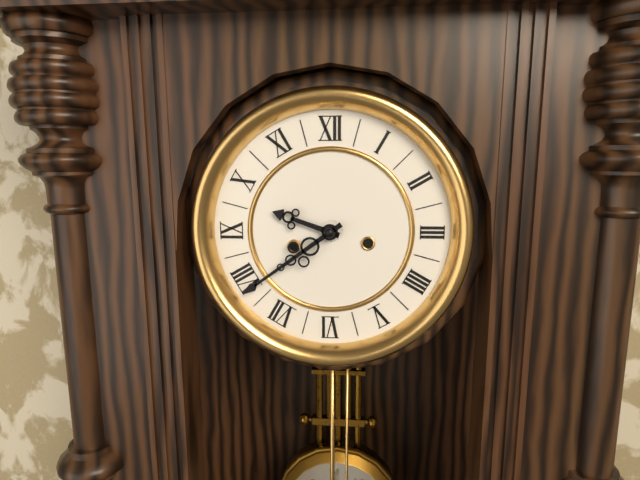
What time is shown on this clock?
9:39
